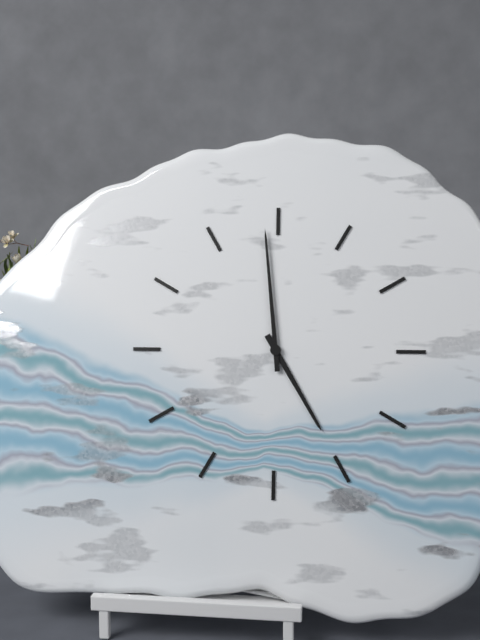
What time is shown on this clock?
4:59
